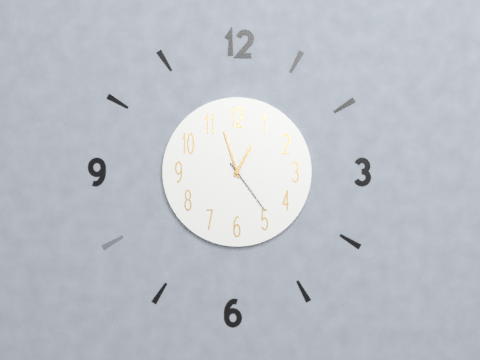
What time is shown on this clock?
12:57:24
